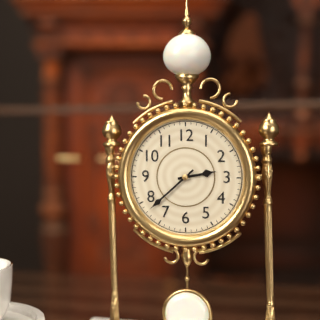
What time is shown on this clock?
2:38
